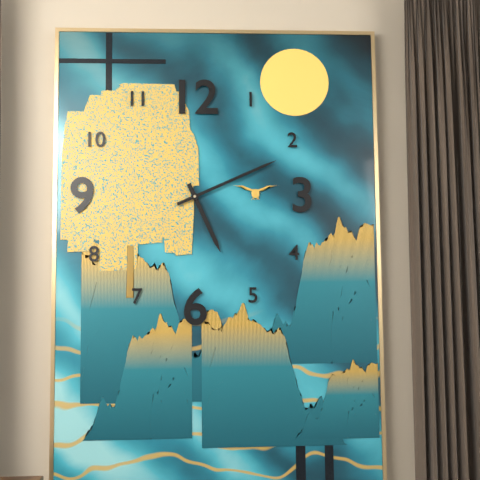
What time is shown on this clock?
5:11
